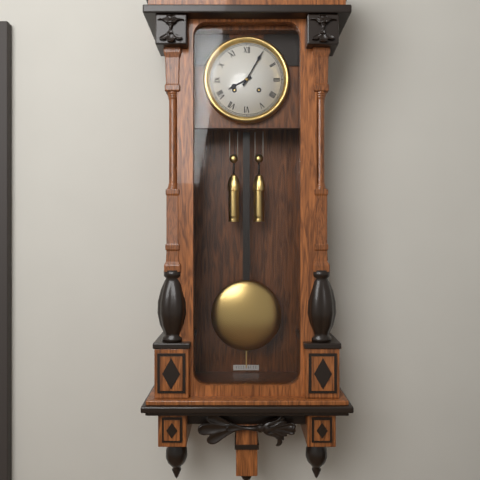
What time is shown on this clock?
8:05
